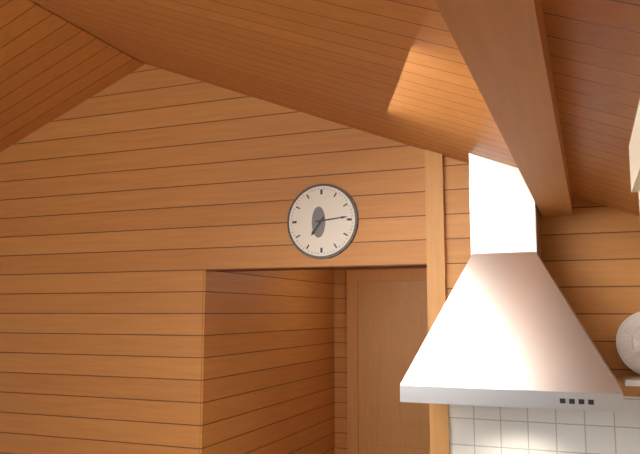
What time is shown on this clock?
7:14
